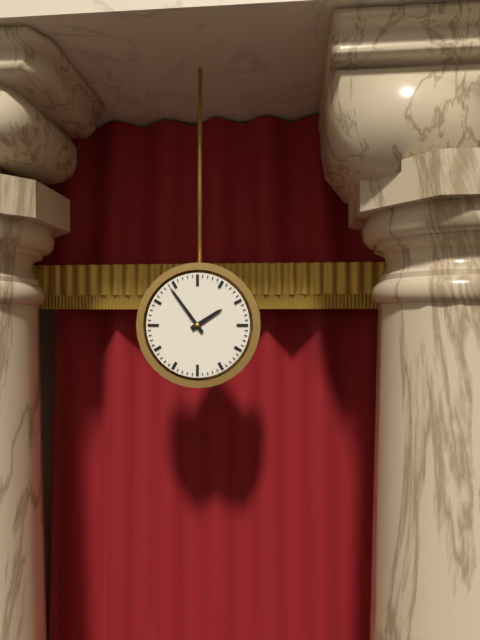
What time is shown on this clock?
1:54
